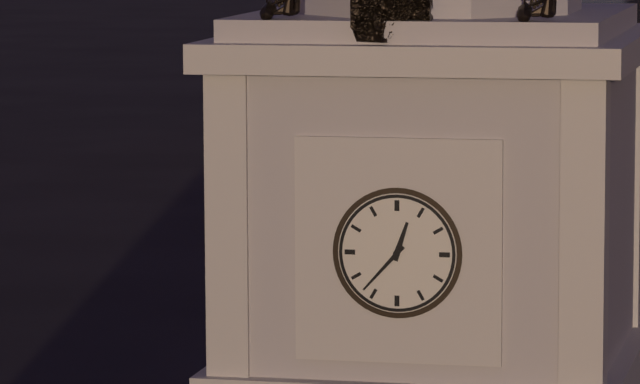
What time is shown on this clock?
12:37
